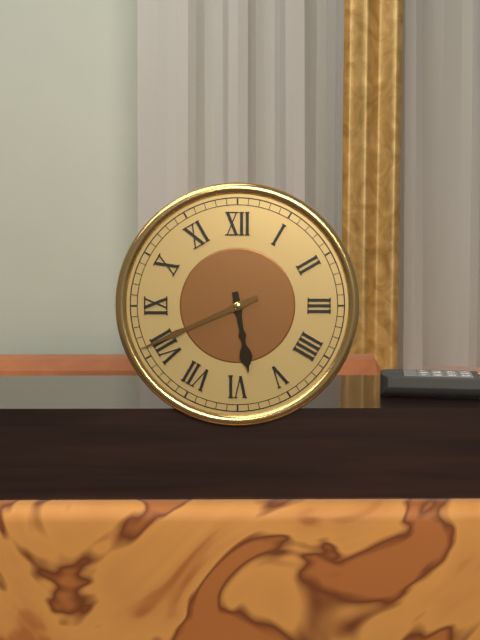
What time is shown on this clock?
5:41
